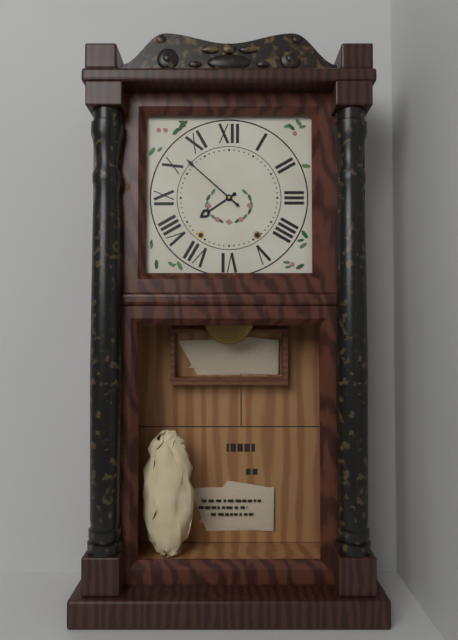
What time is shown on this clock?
7:52
